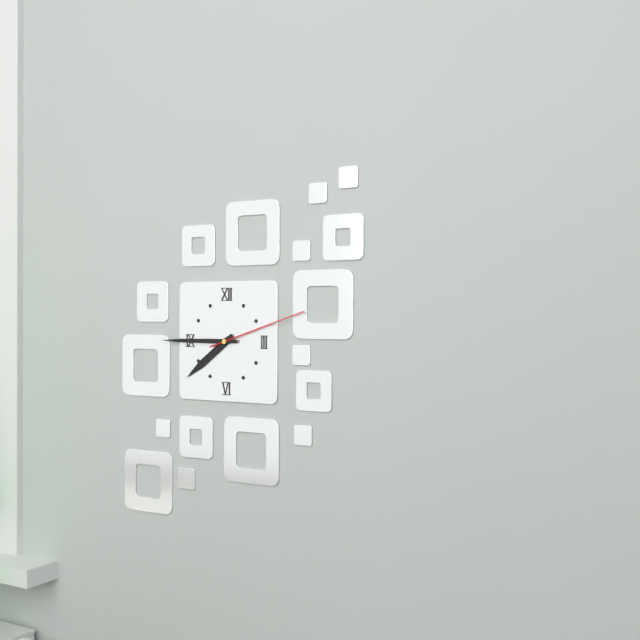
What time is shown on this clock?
7:45:12
